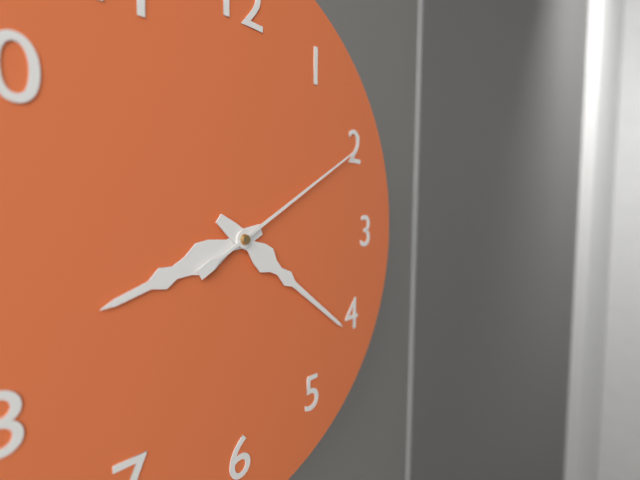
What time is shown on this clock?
8:21:10
